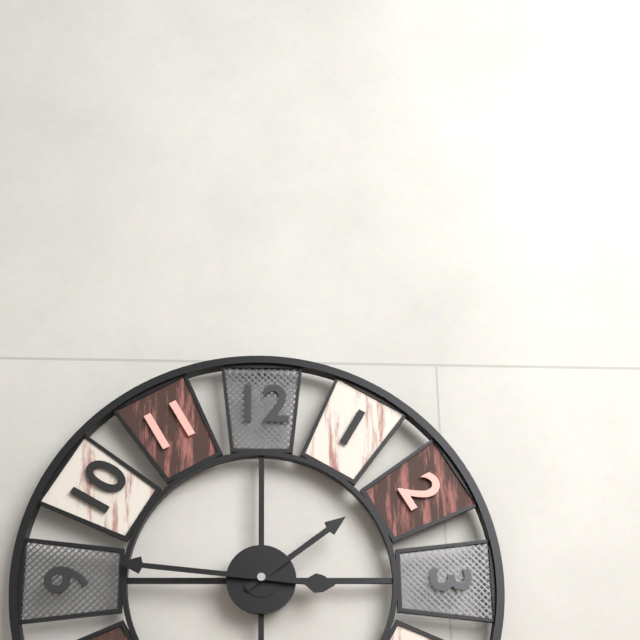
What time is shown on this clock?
1:46
